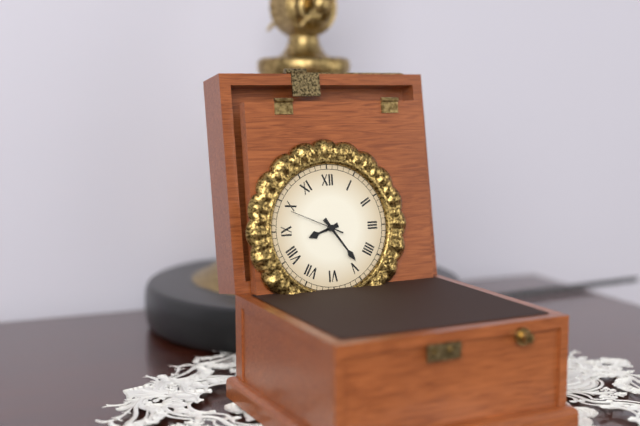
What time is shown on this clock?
8:24:49
